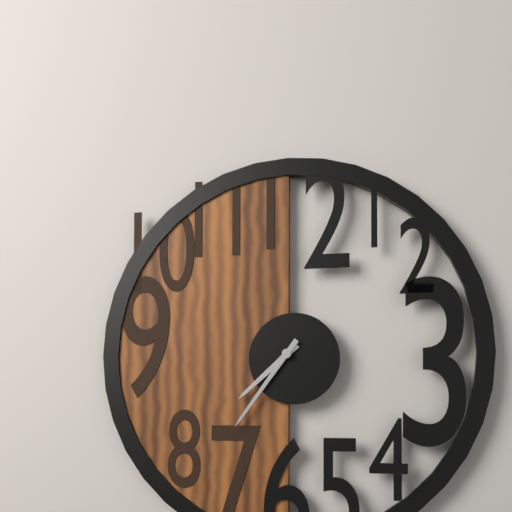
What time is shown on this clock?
7:36
